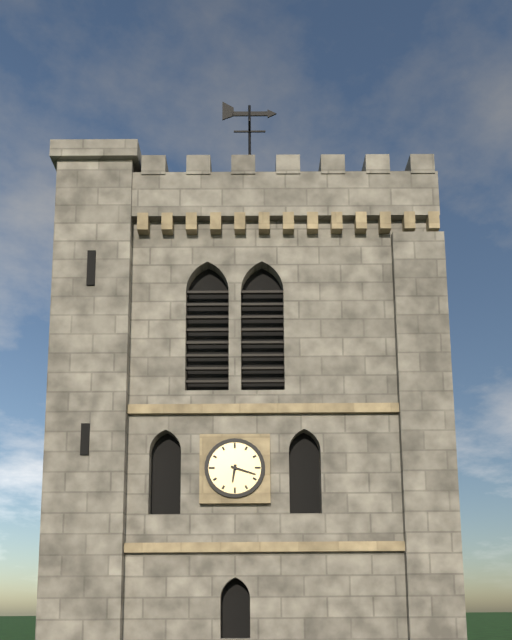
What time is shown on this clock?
6:18
